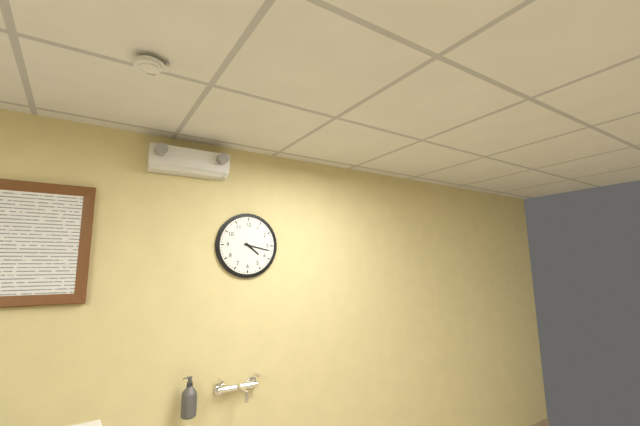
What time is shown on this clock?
4:17
